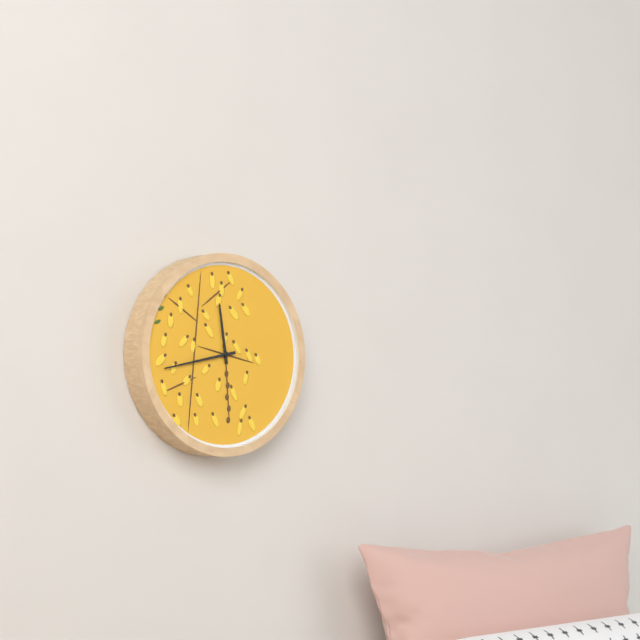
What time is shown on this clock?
11:43
